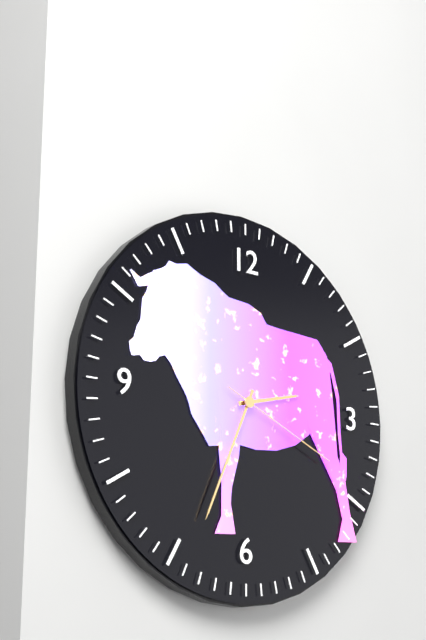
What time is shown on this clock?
2:34:19
